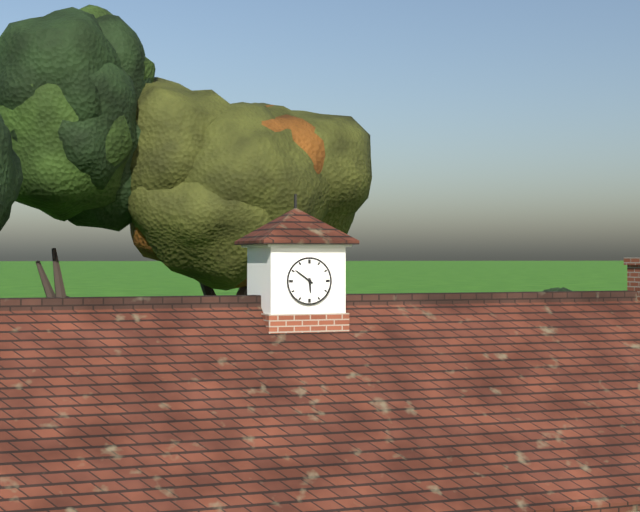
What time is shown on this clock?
5:51
